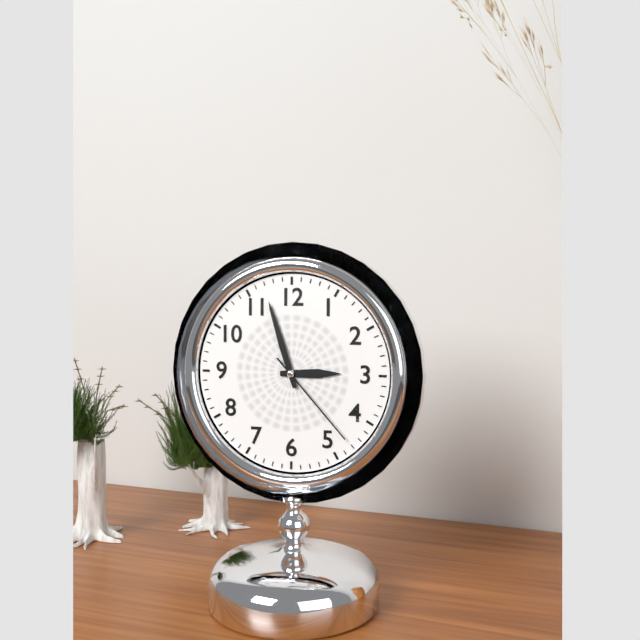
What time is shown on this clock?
2:57:23
